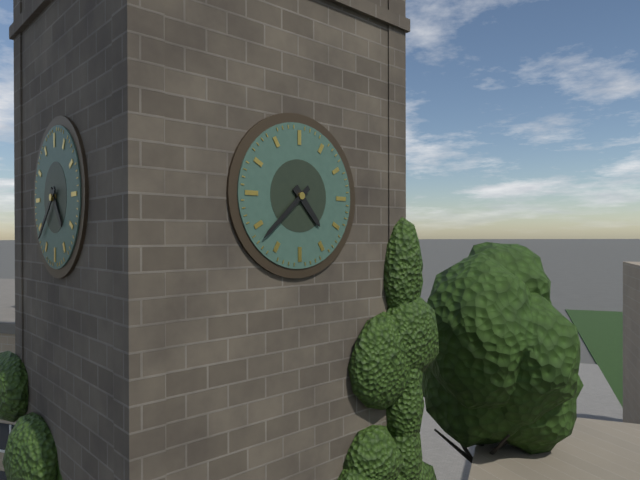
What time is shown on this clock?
4:38
